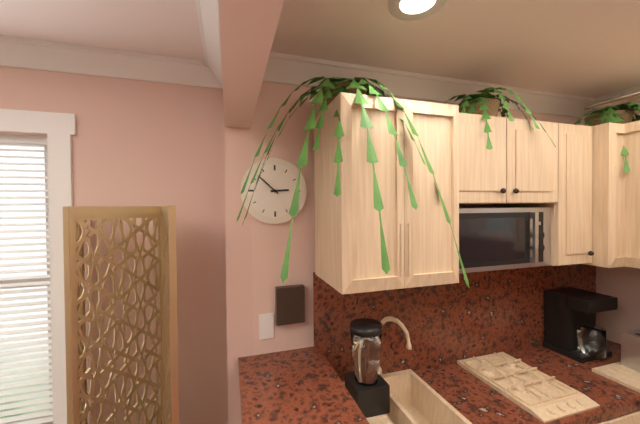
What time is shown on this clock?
2:52
